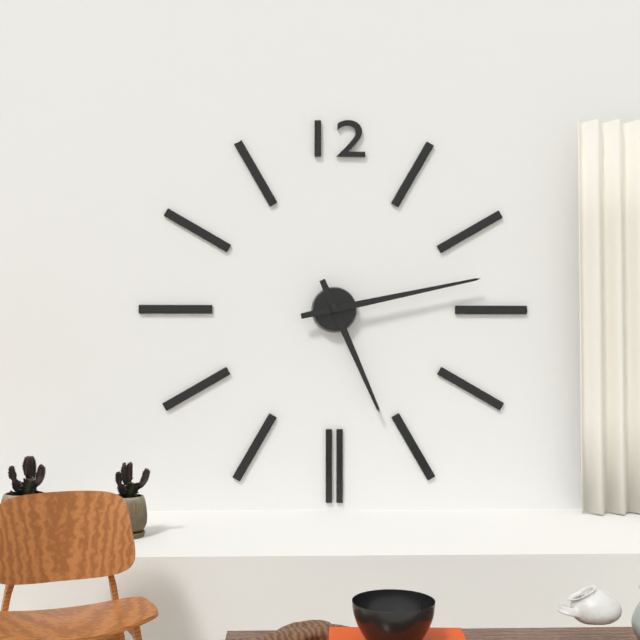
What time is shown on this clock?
5:13
